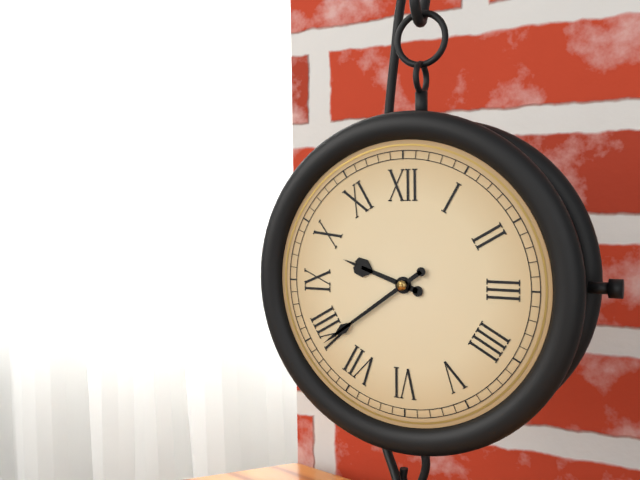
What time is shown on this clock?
9:39
